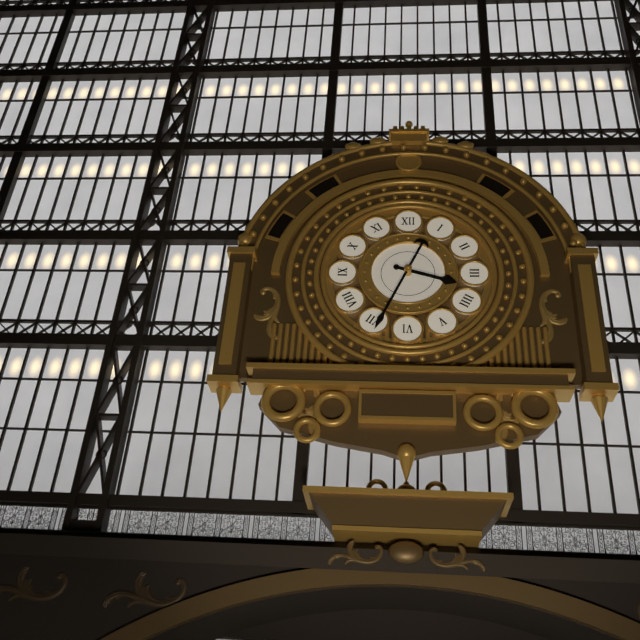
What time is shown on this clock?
3:34
